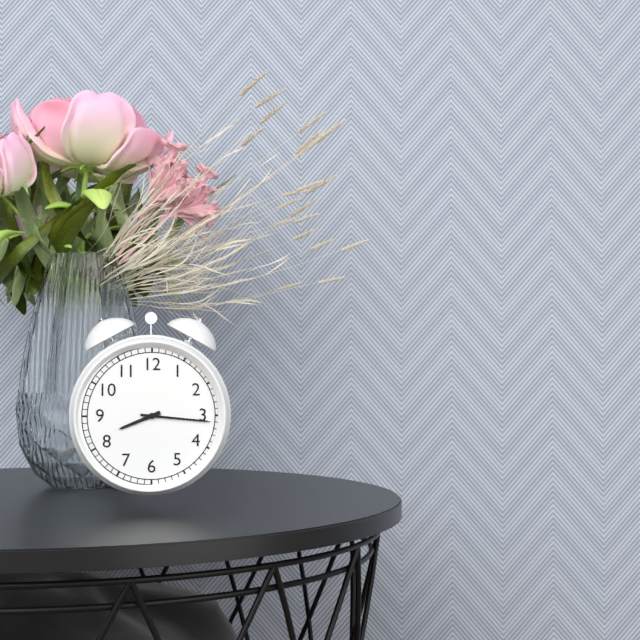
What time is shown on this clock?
8:16
